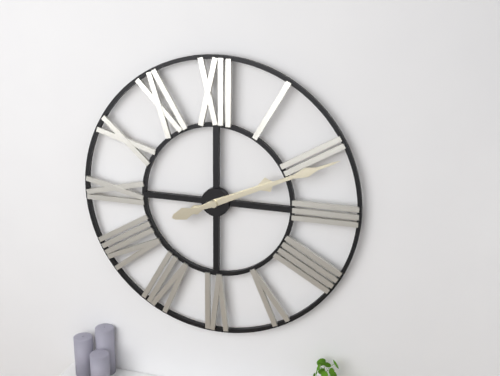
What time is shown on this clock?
2:11
